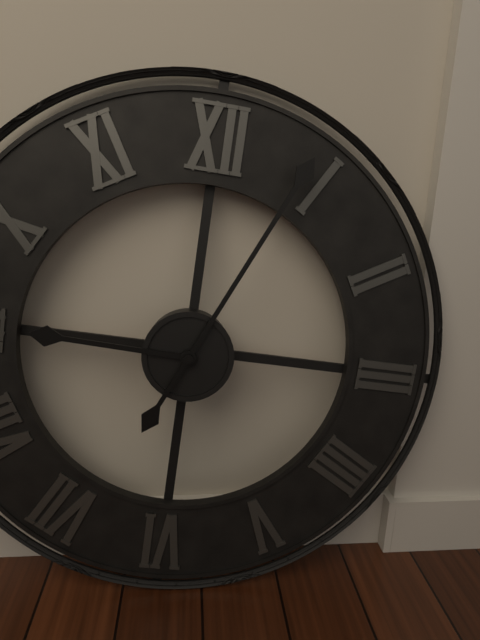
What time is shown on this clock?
9:04
